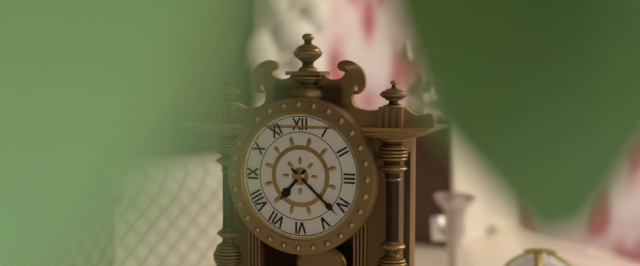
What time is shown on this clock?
7:22
